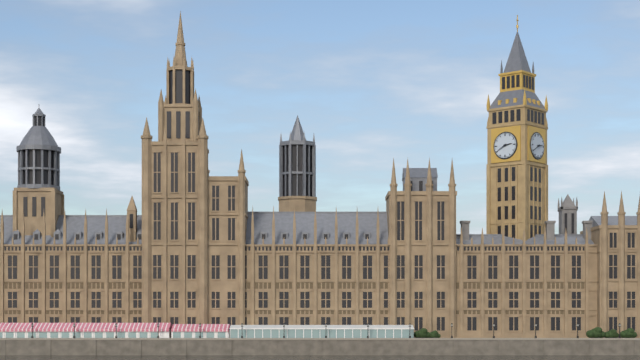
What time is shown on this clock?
2:40
